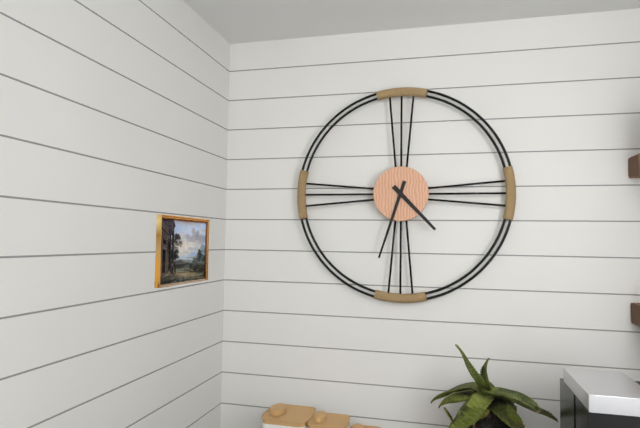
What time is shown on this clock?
4:33
